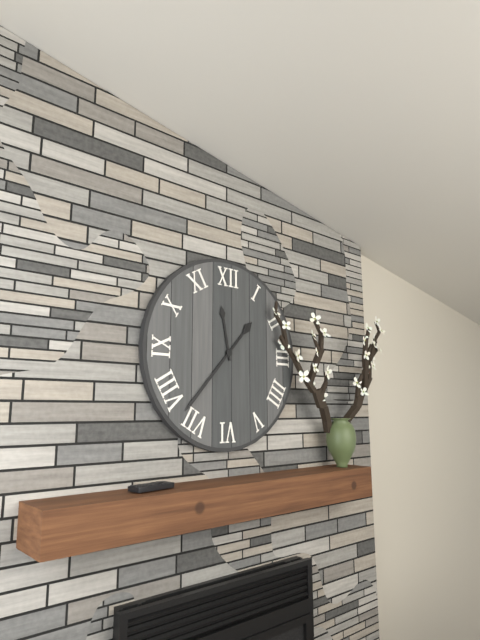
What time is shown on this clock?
11:37
